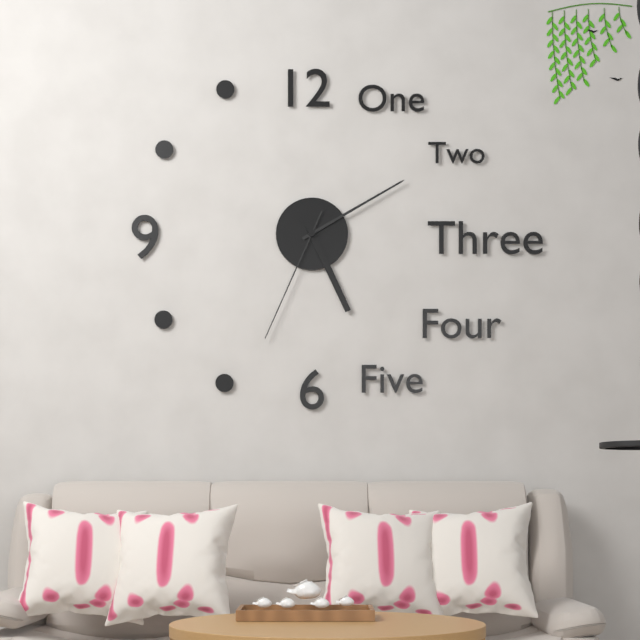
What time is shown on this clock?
5:10:34
